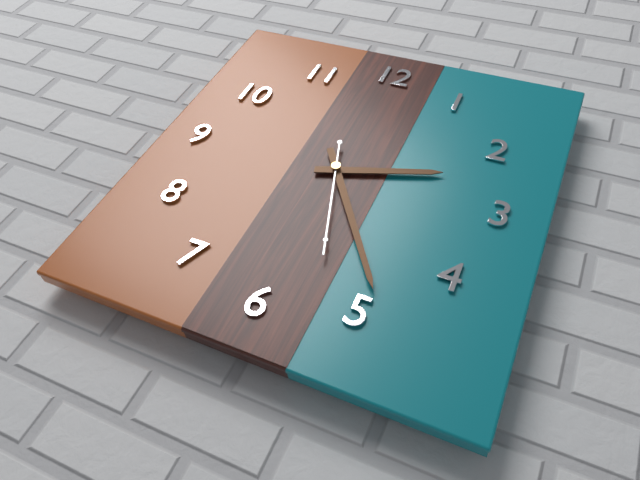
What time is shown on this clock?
2:24:27
